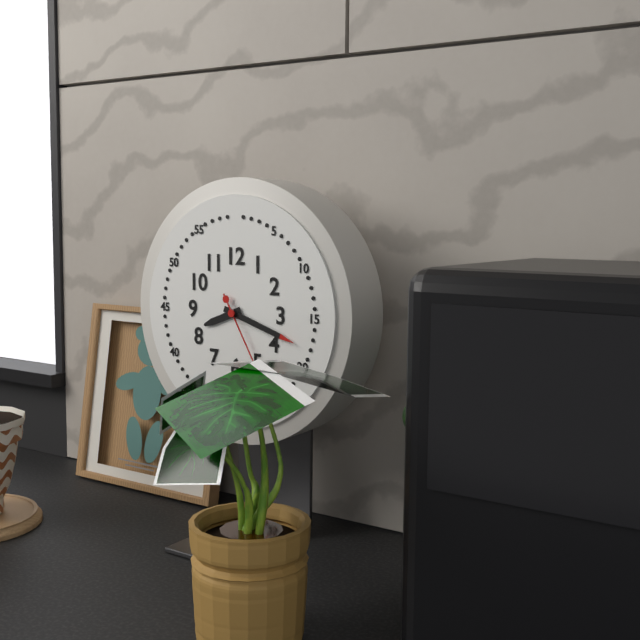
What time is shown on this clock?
8:18
